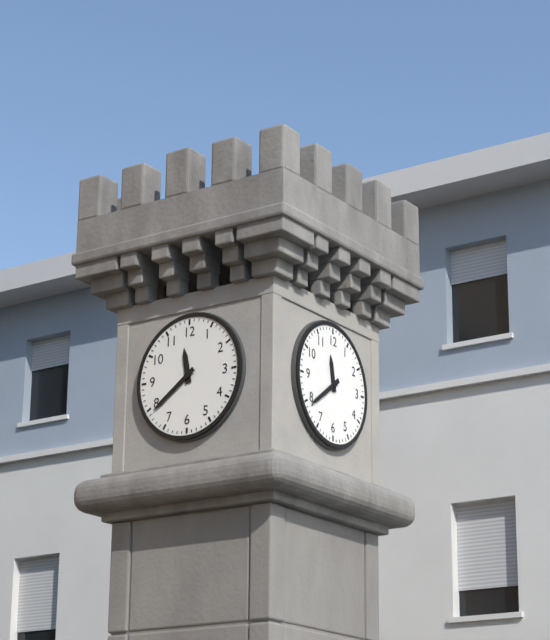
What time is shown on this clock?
11:39
